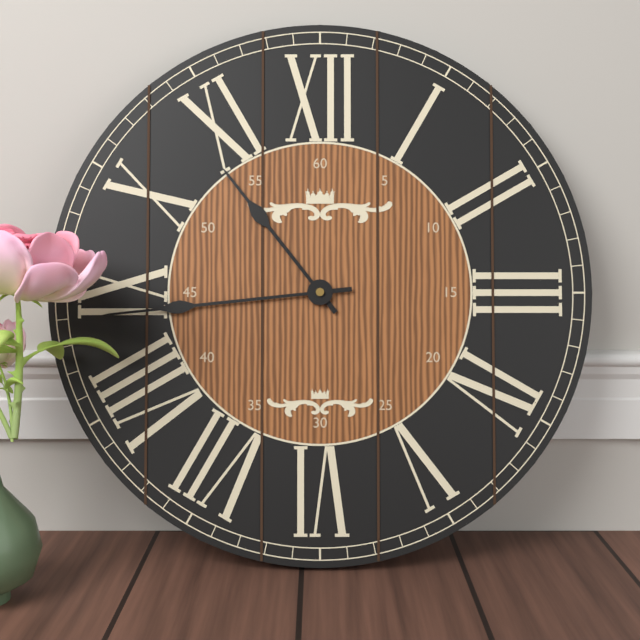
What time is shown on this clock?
10:44
